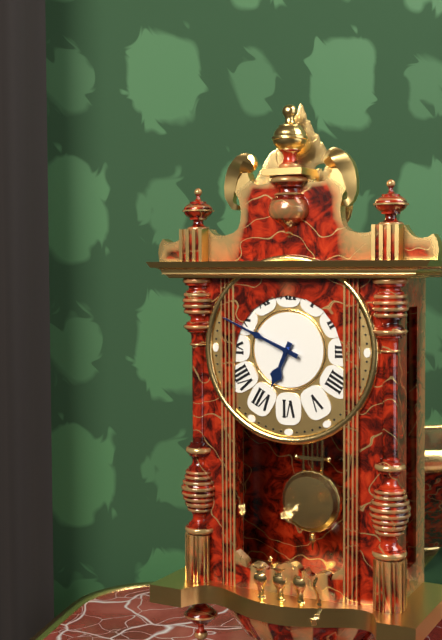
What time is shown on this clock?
6:49
